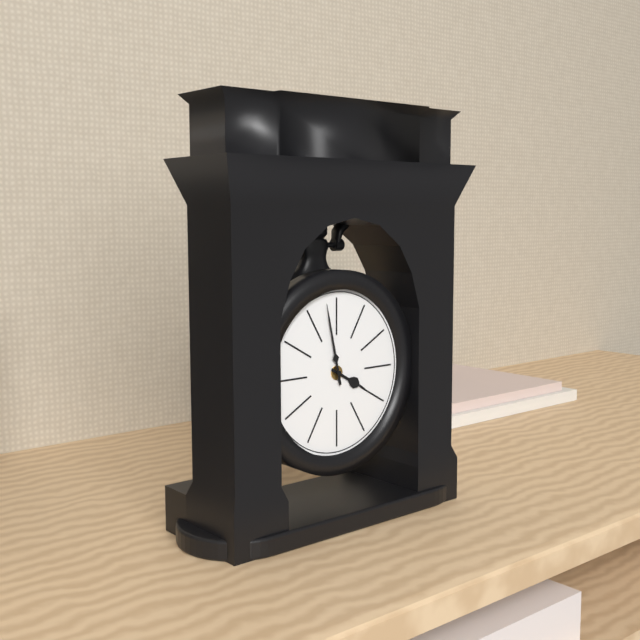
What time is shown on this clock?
3:58
